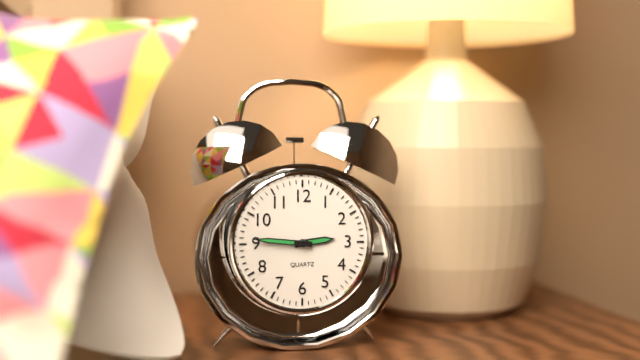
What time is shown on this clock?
2:46
